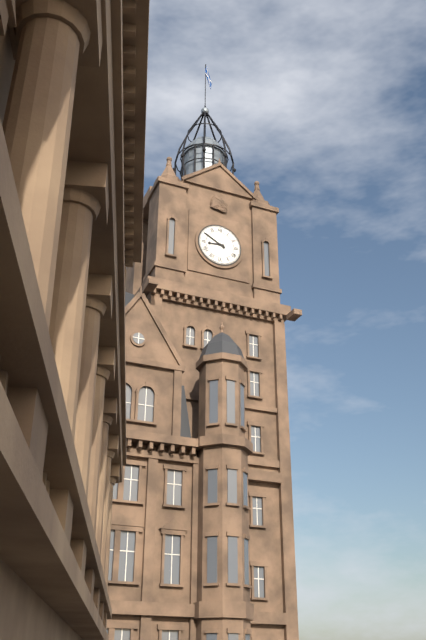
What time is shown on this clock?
8:50
